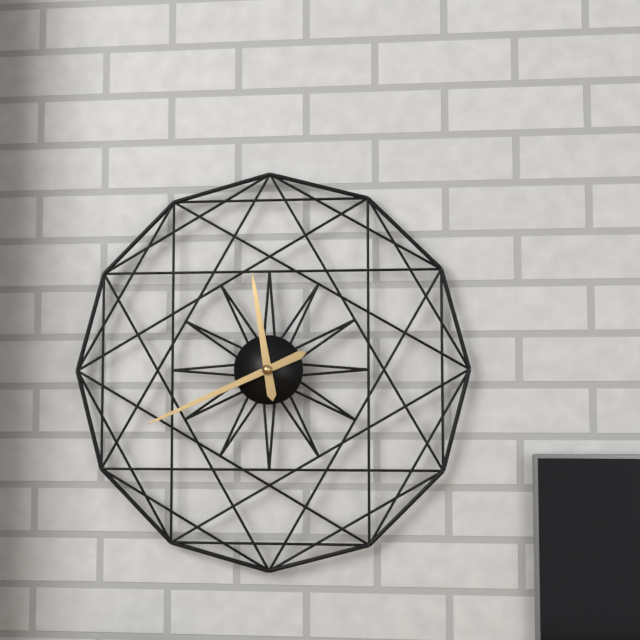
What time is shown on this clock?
11:41
